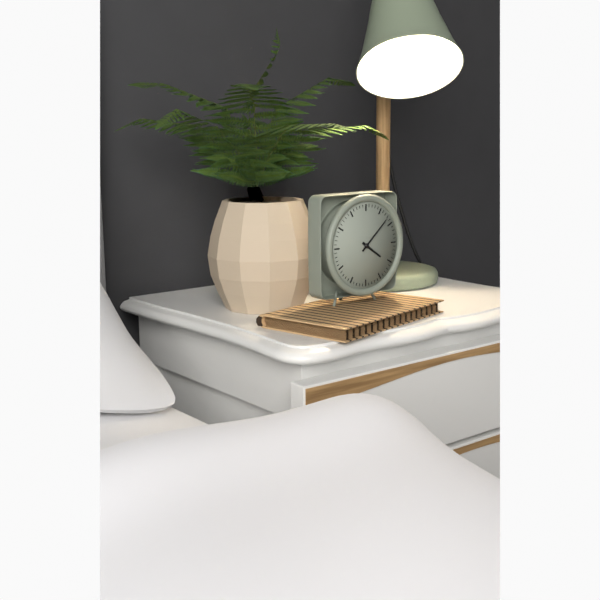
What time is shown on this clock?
4:08
